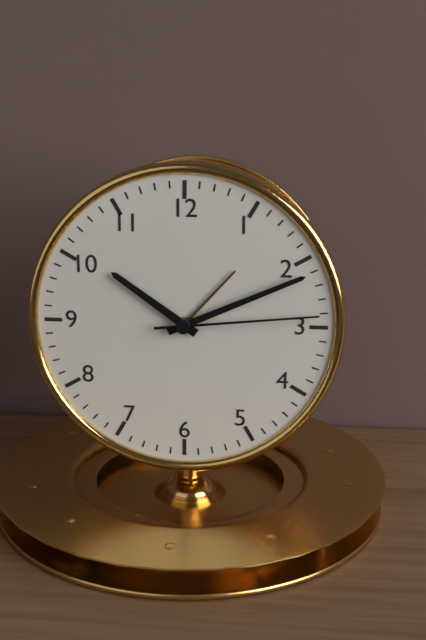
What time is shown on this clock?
10:11:14
